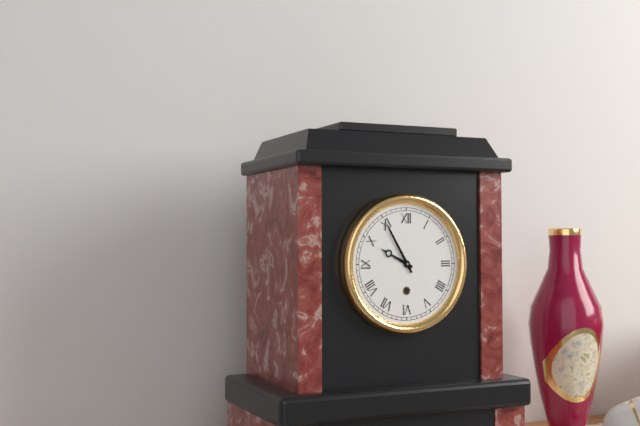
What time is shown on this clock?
9:55
